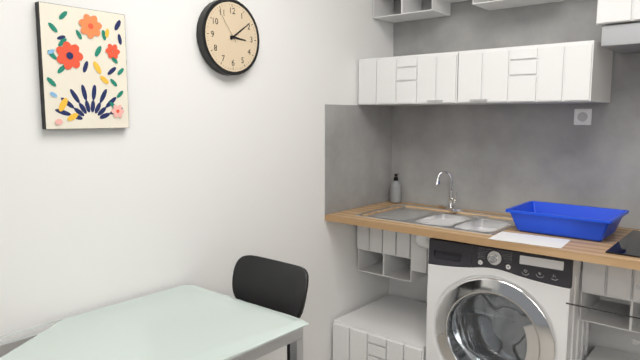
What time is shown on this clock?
3:09
